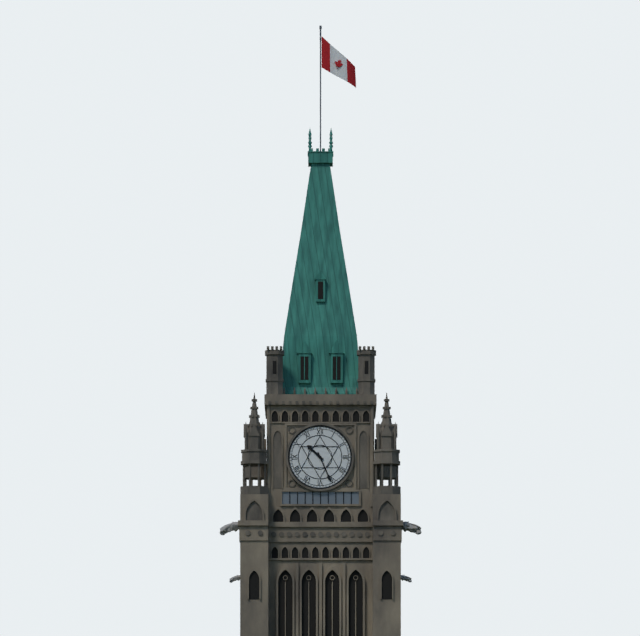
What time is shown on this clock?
10:26
